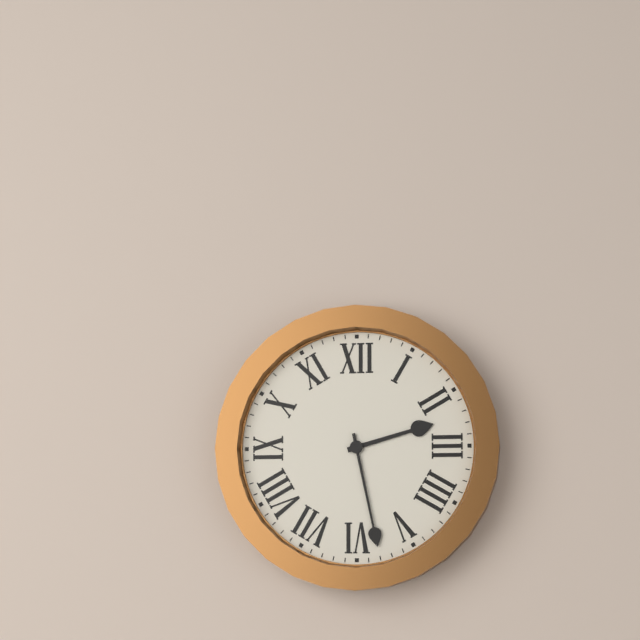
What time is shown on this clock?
2:28
